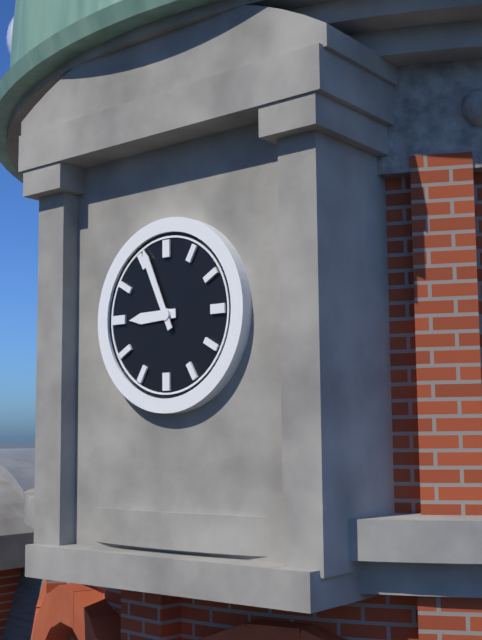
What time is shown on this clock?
8:56
